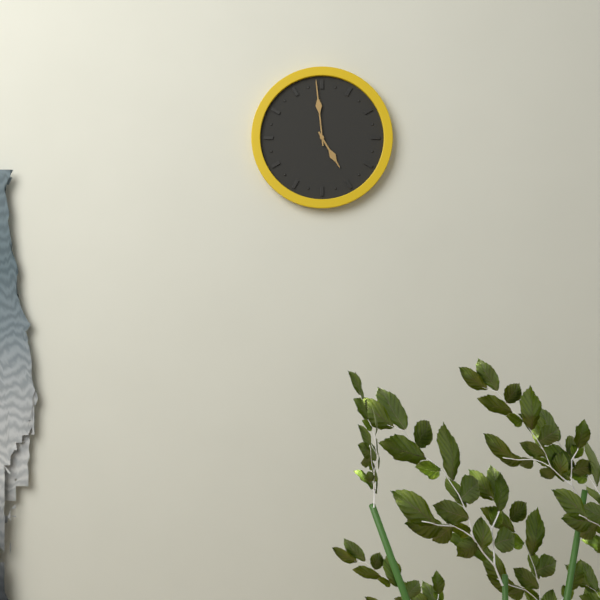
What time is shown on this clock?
4:59
